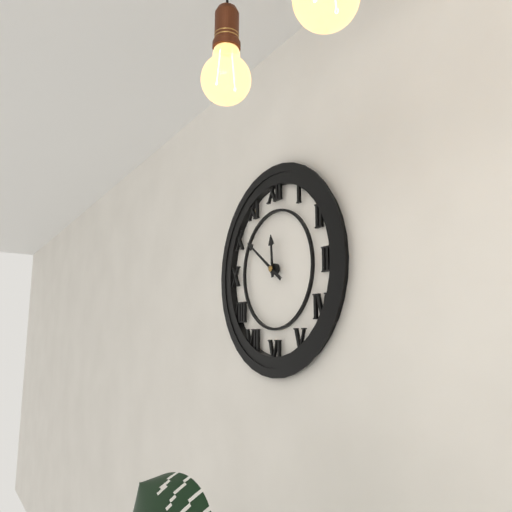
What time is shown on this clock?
11:51
